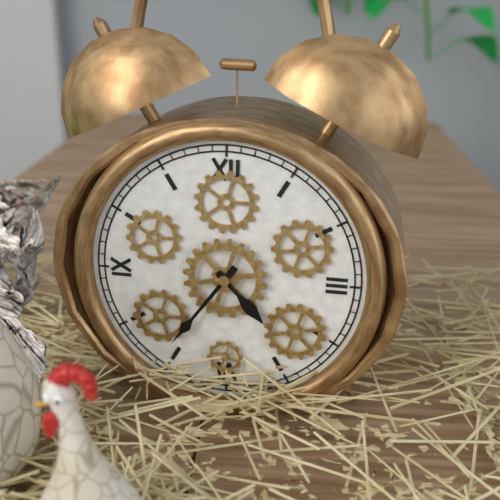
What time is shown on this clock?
4:36
